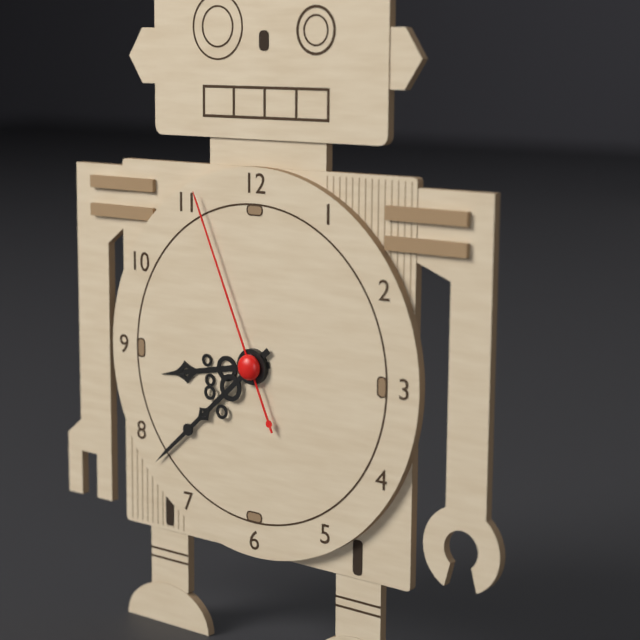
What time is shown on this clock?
8:38:56
